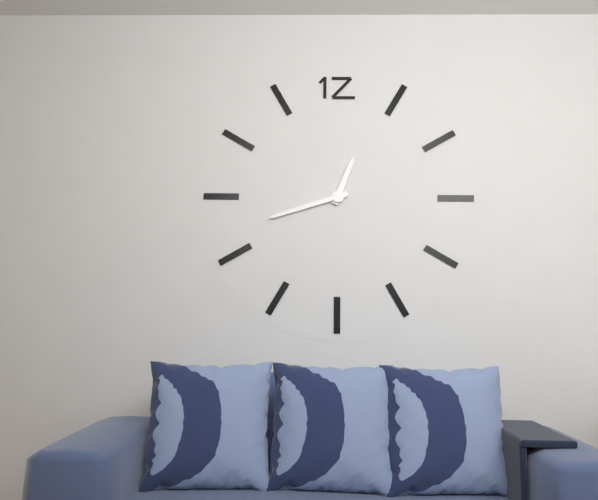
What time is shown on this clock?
12:42
